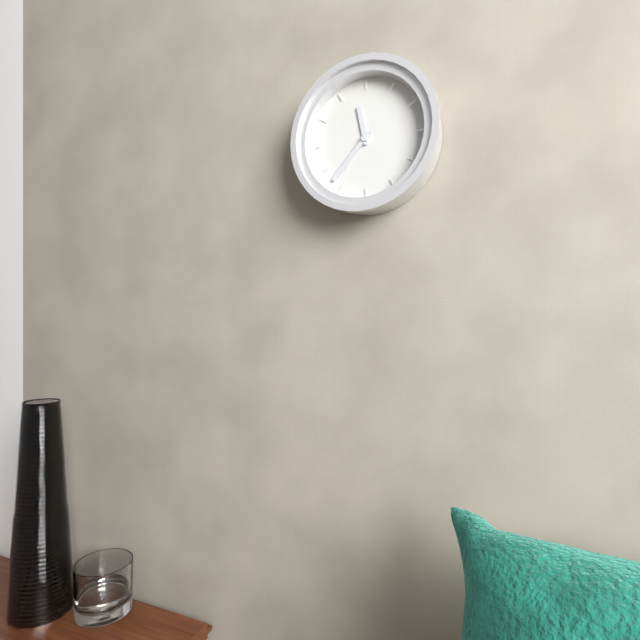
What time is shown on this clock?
11:37
